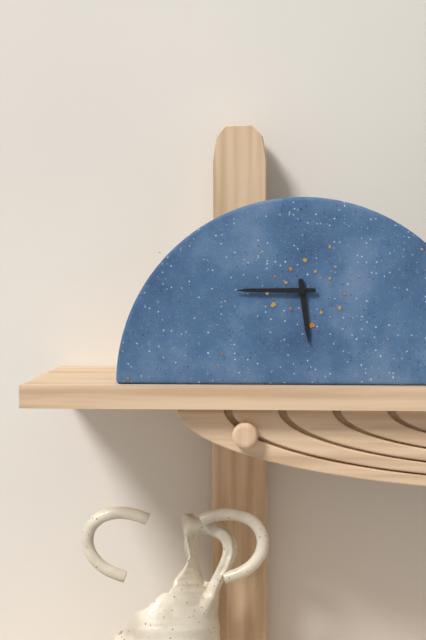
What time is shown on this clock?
5:45
